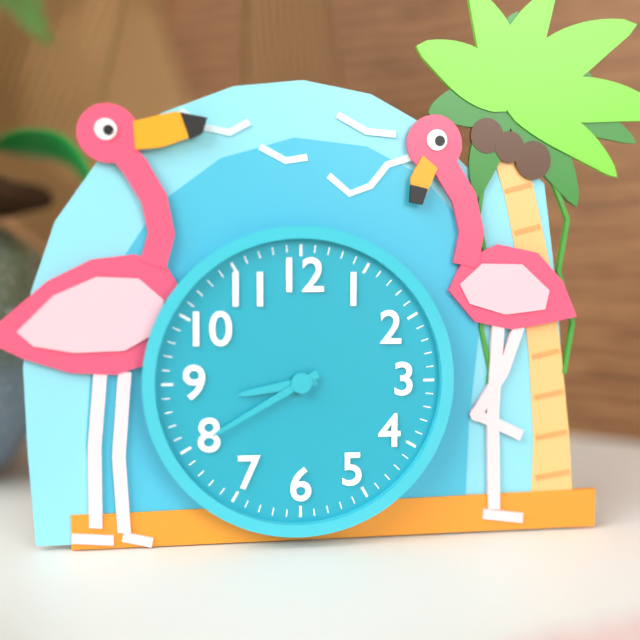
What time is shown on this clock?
8:40
